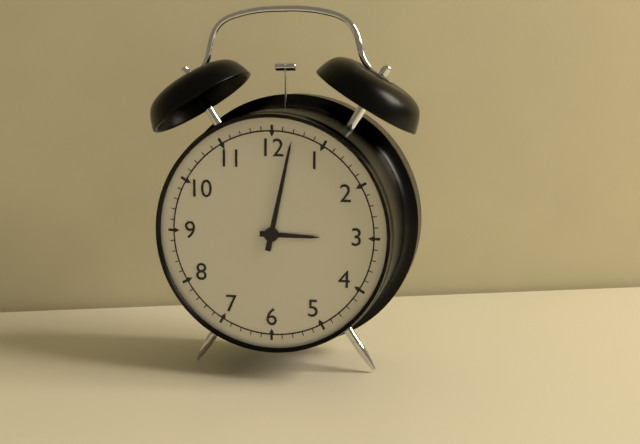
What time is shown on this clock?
3:02
